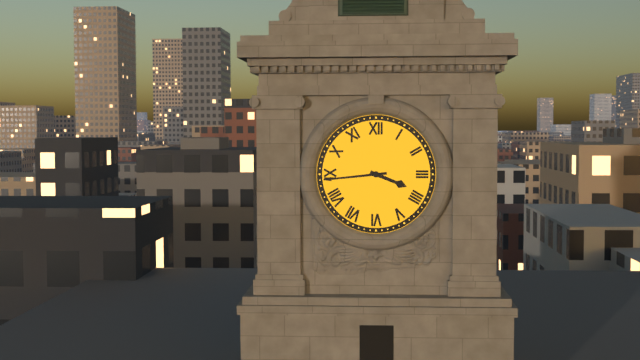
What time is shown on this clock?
3:44
